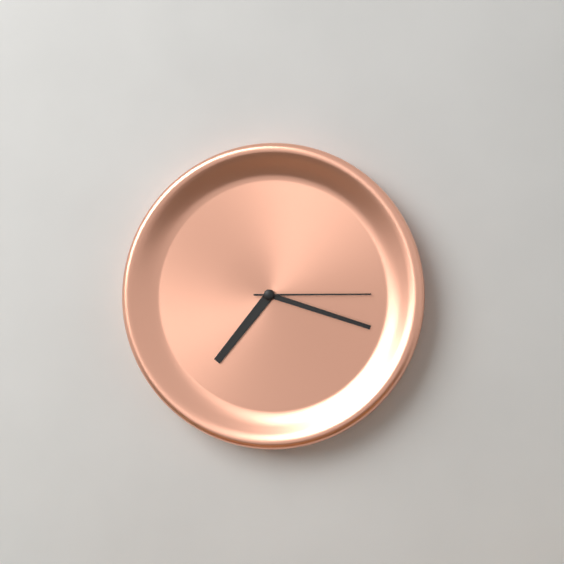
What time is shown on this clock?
7:18:15
